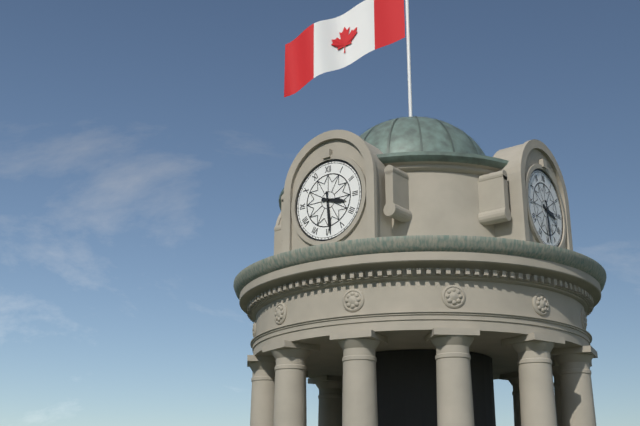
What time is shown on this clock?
3:29
